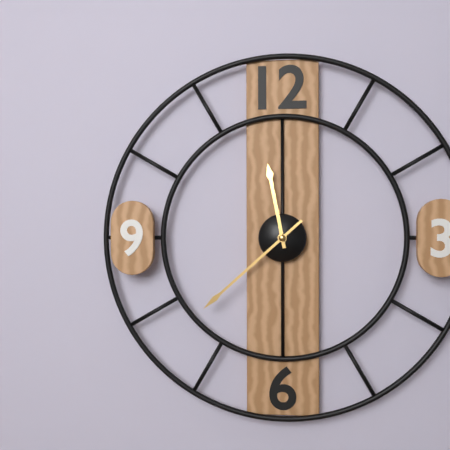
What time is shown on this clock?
11:38
